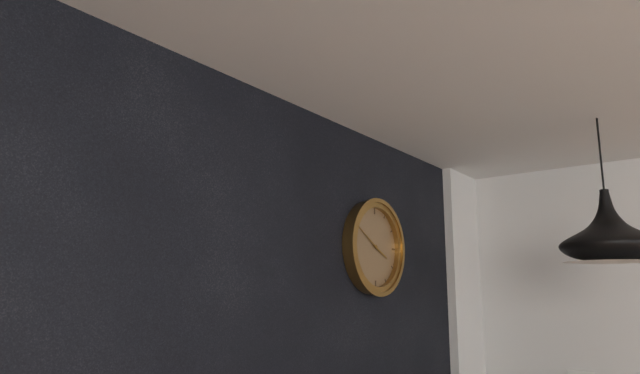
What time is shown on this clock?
3:50
